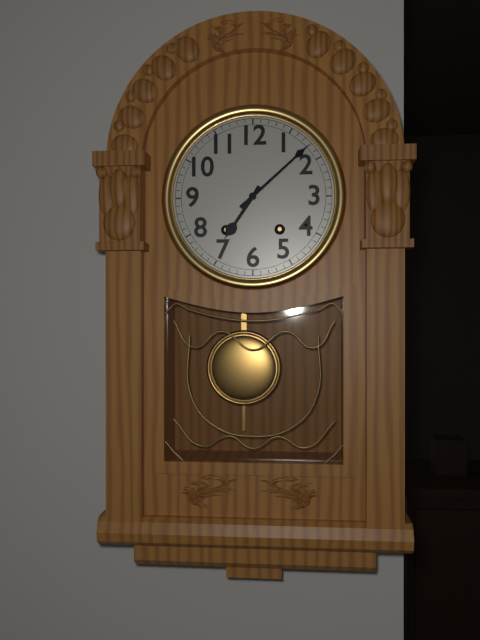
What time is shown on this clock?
7:08
